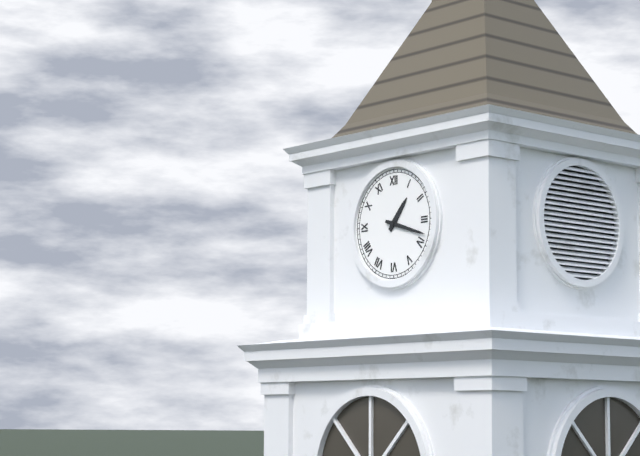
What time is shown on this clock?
1:18
